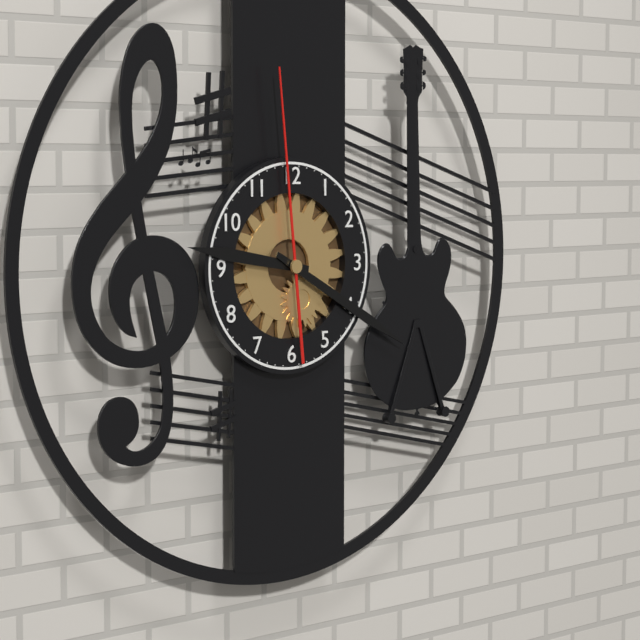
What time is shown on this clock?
9:20:59
